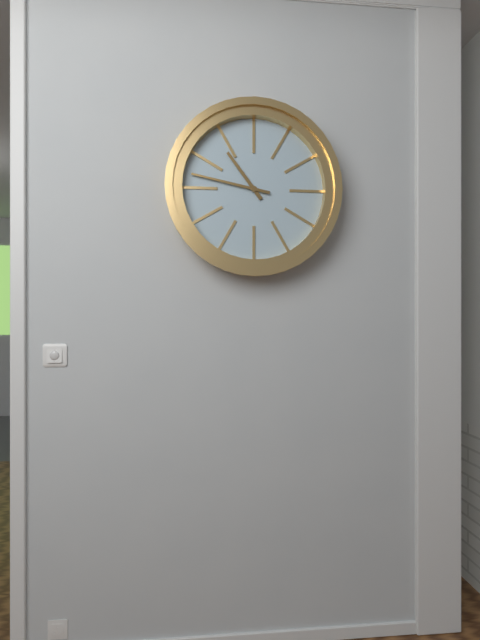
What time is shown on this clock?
10:47
